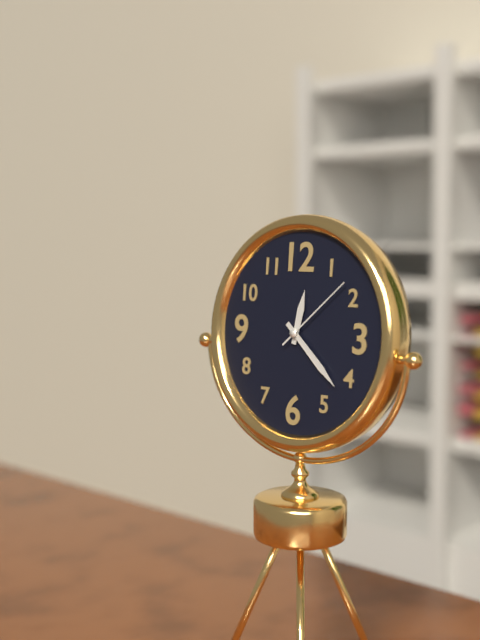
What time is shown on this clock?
12:22:08
